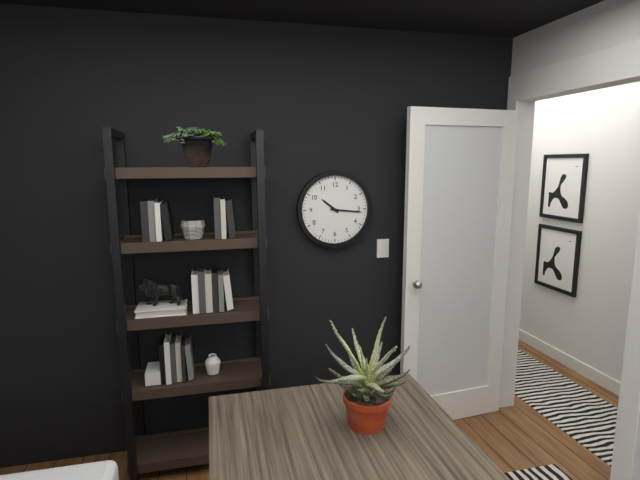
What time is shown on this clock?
10:16
